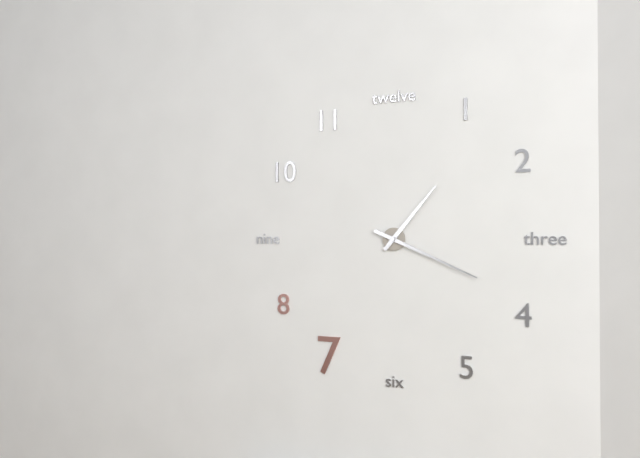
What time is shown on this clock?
1:19
